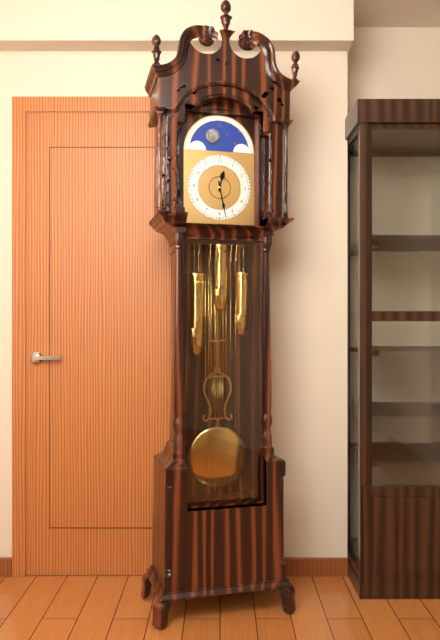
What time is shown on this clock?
12:28
